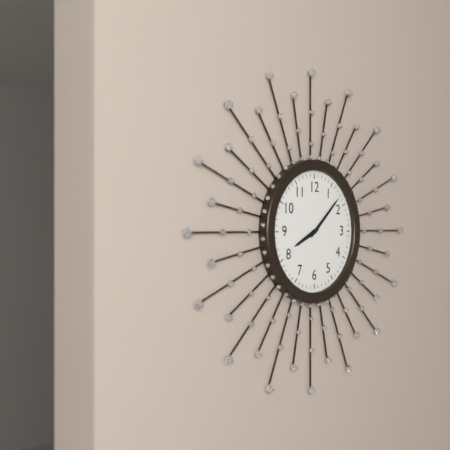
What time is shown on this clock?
8:08
